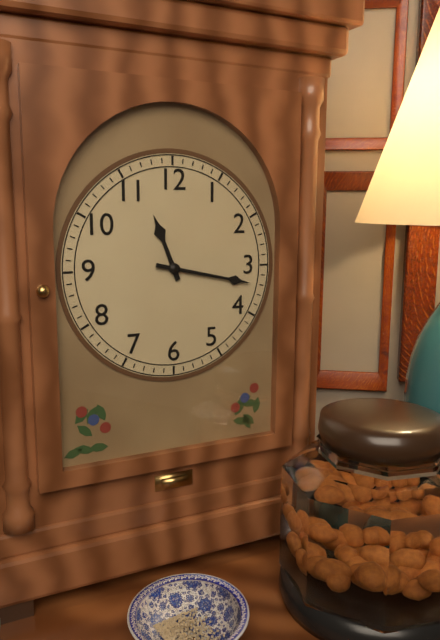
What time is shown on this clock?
11:17
